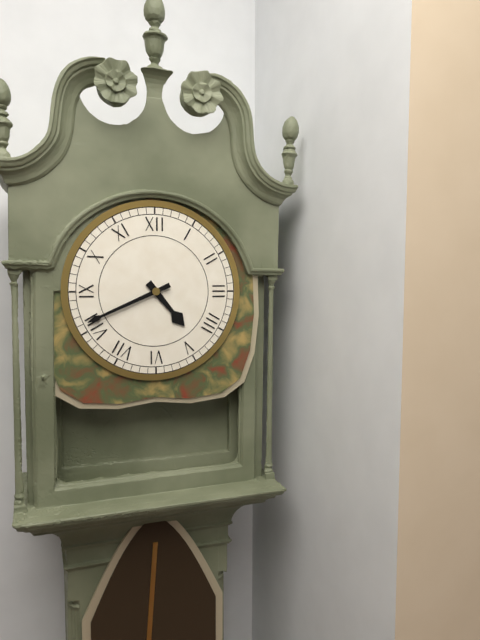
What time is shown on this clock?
4:41
